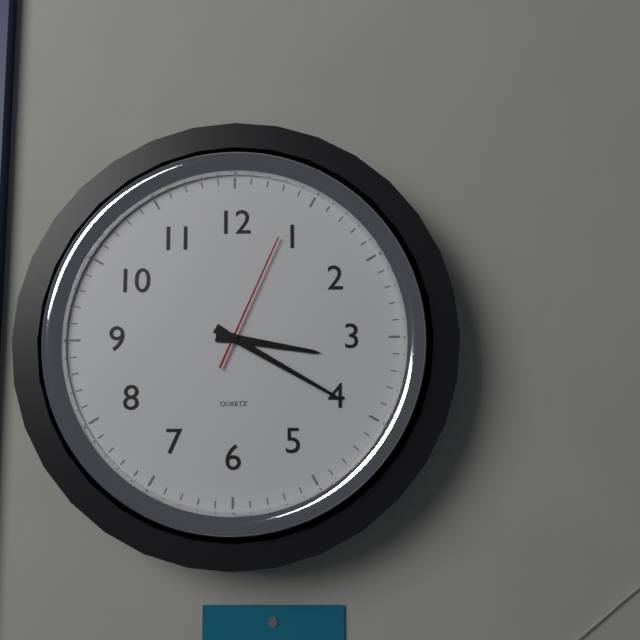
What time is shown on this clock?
3:20:04
